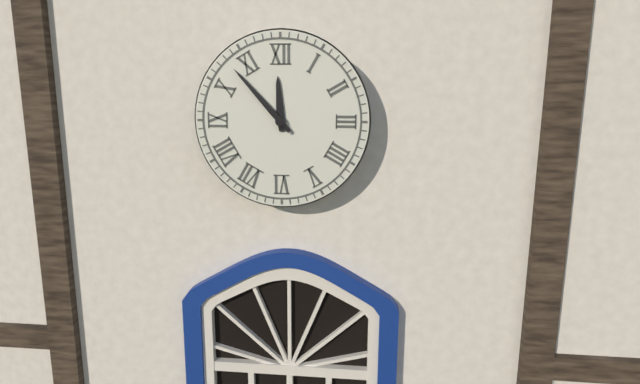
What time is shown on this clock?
11:53
